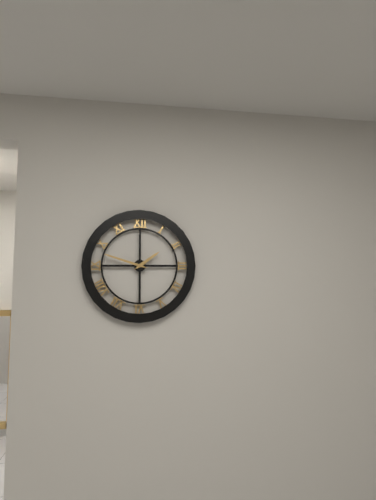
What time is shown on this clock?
1:48
